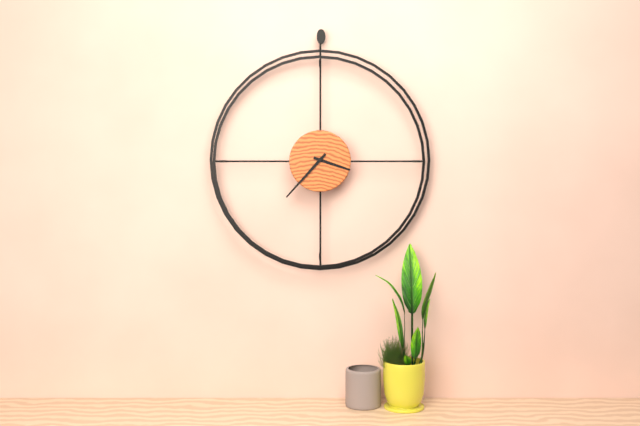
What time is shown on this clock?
3:37
